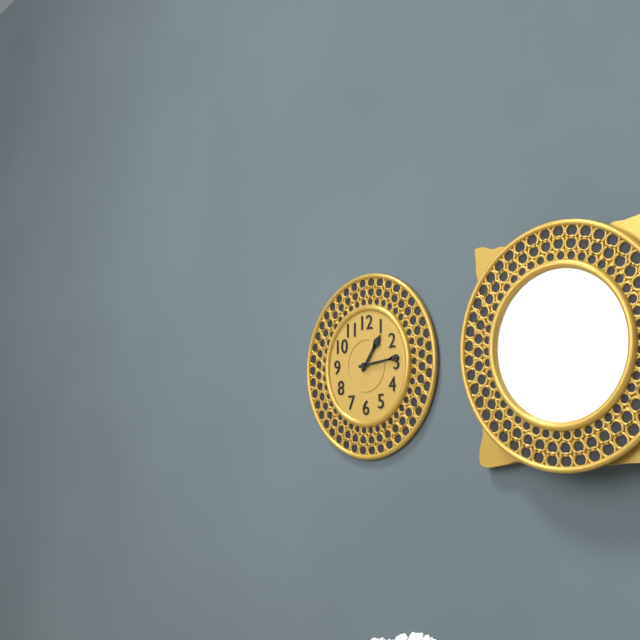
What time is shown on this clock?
1:14
